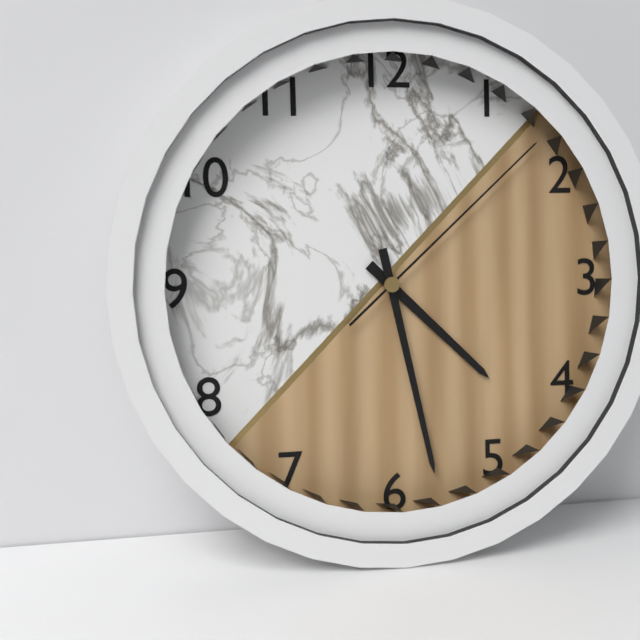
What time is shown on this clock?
4:28:08
